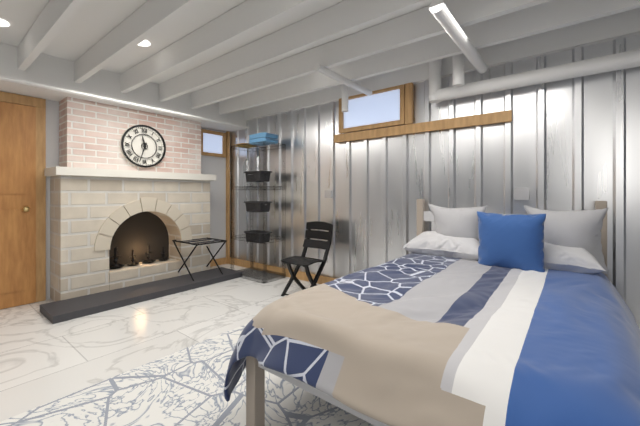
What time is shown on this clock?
11:33
